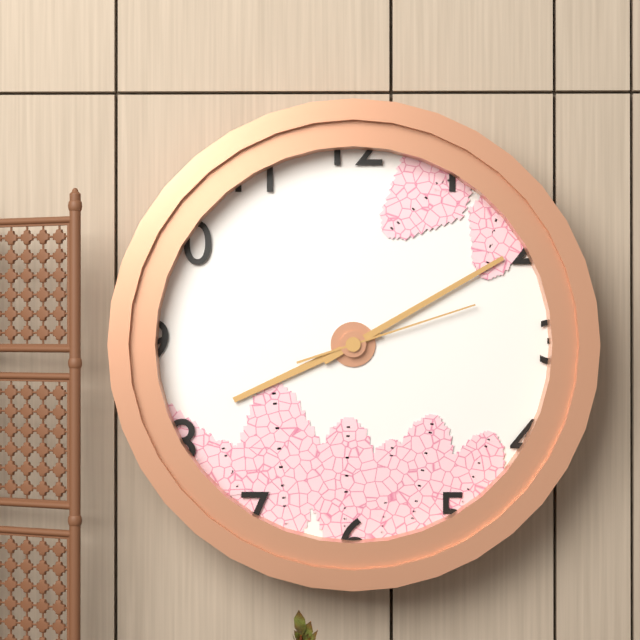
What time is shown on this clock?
8:10:12
